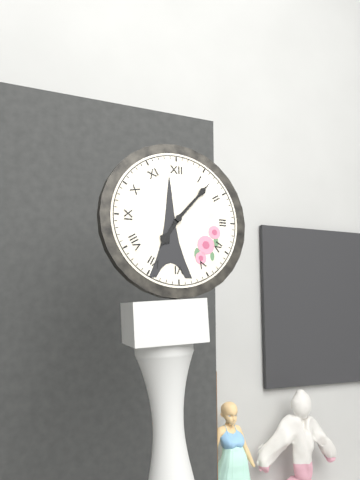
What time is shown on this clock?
7:07
